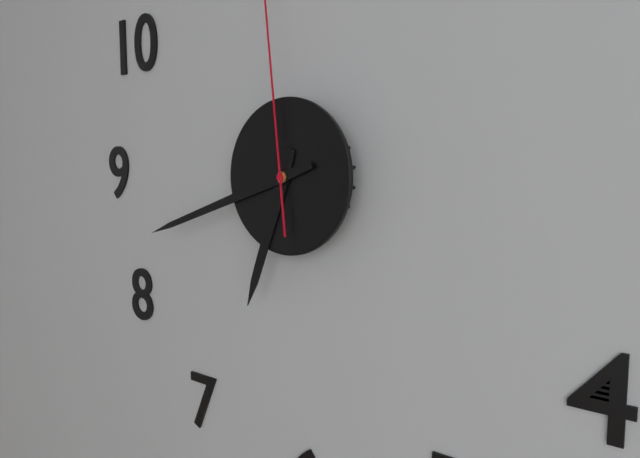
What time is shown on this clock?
6:42
